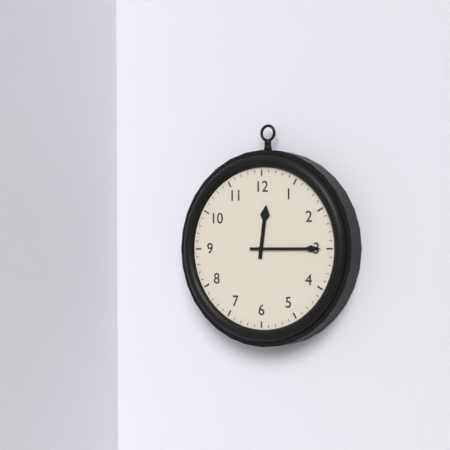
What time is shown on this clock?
12:15
